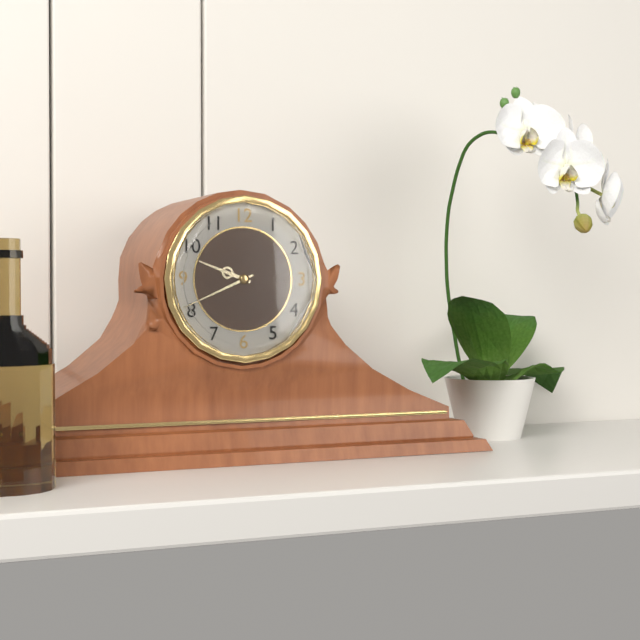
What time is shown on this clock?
9:41
